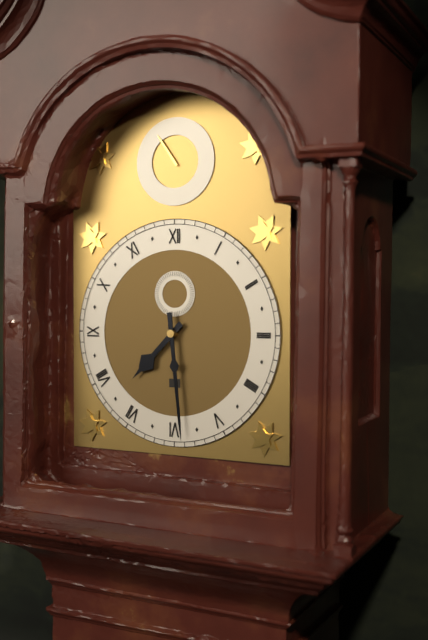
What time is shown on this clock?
7:29
